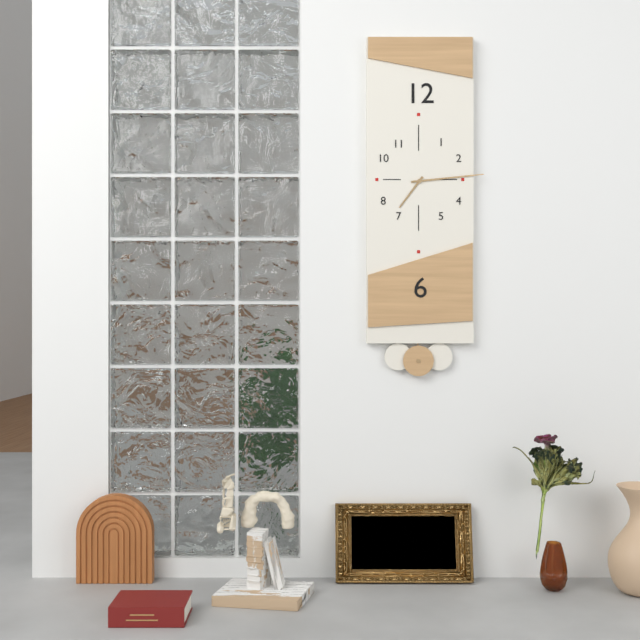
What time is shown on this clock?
7:14
